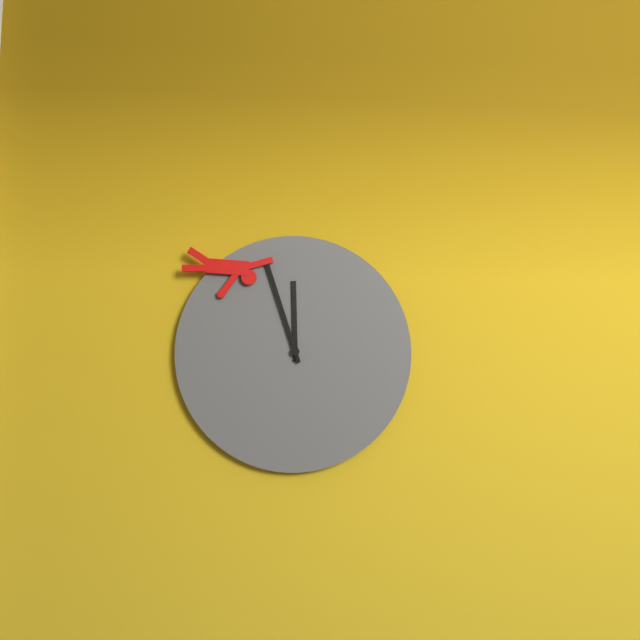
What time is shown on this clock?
11:57
